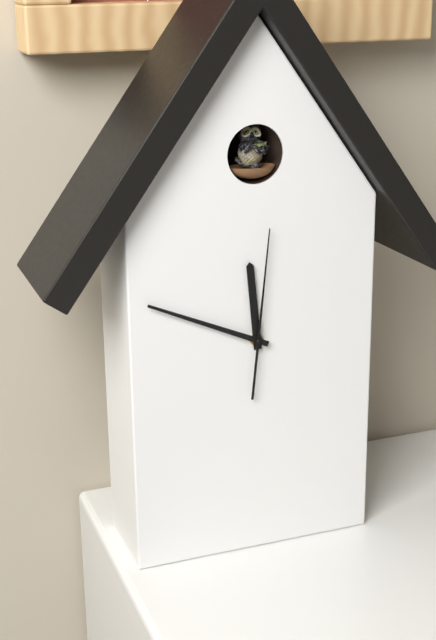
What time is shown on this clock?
11:49:01
